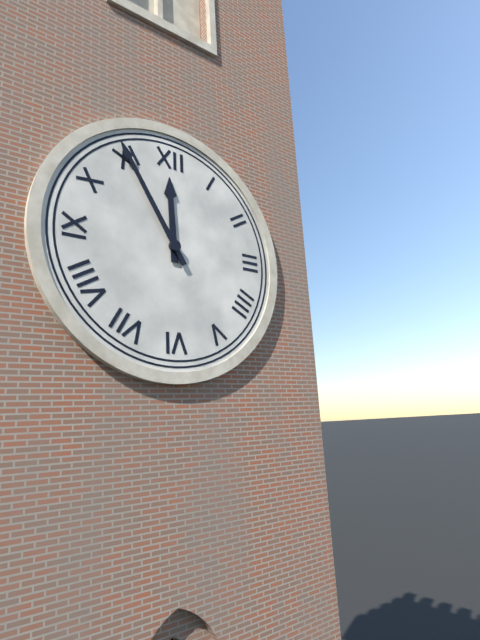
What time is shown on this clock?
11:55
